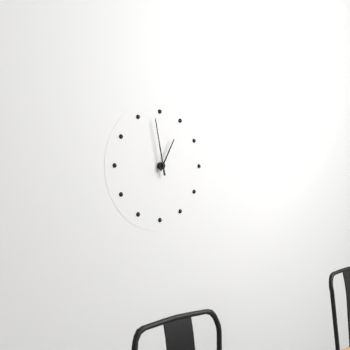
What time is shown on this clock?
12:58
